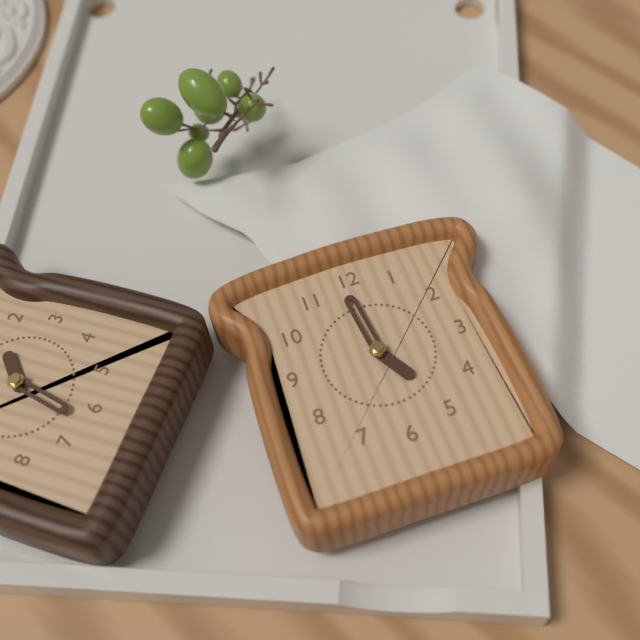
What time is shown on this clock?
4:59
